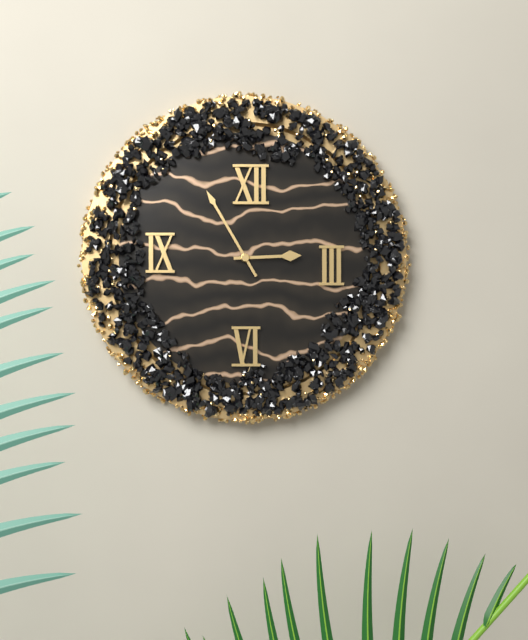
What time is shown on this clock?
2:55
